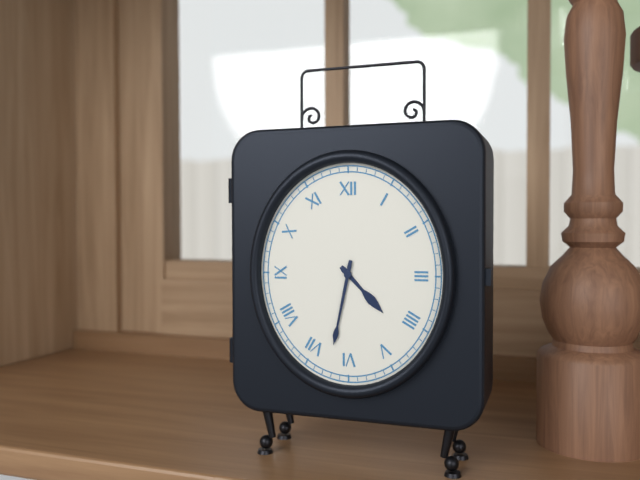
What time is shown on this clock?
4:32
